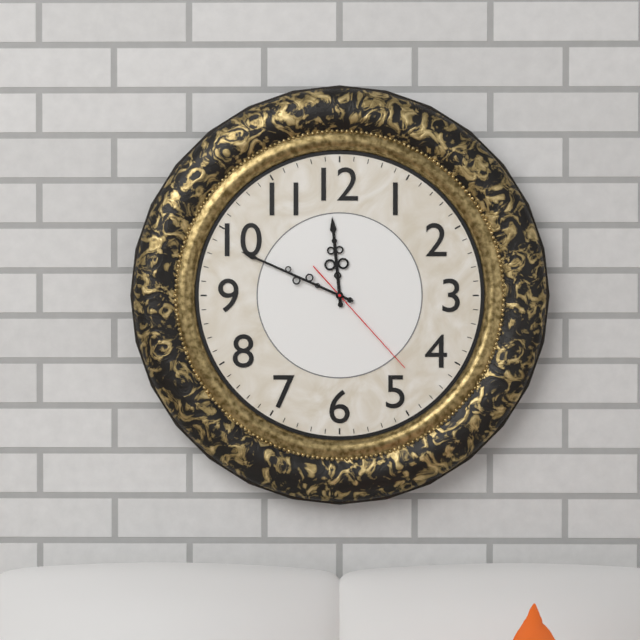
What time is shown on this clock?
11:49:23
